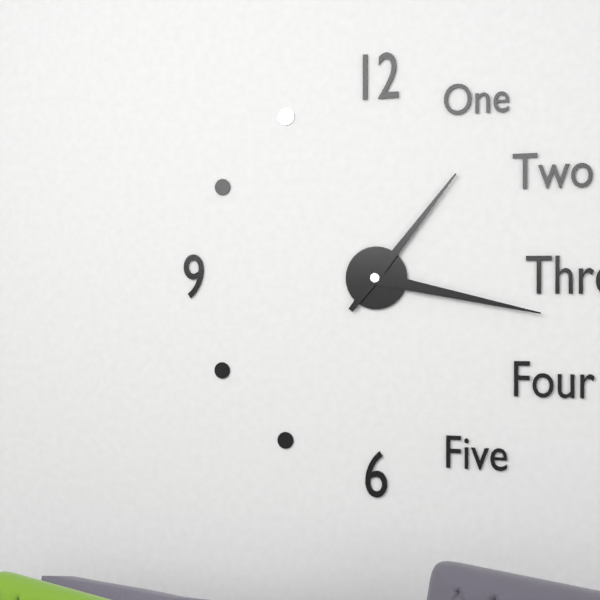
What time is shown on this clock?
1:17
